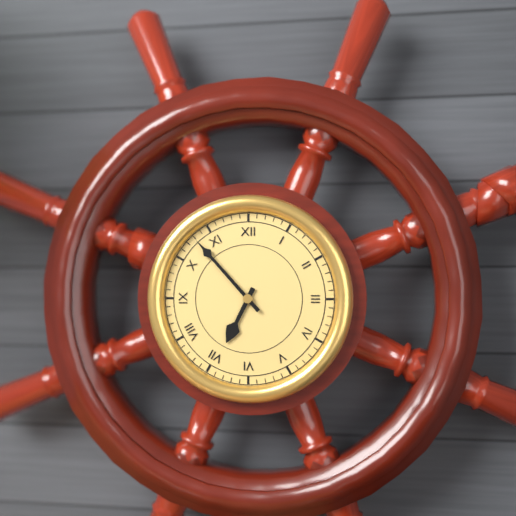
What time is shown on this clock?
6:53
